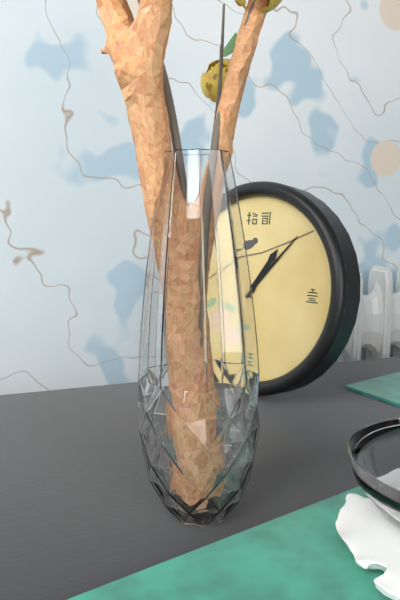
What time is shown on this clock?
1:07
